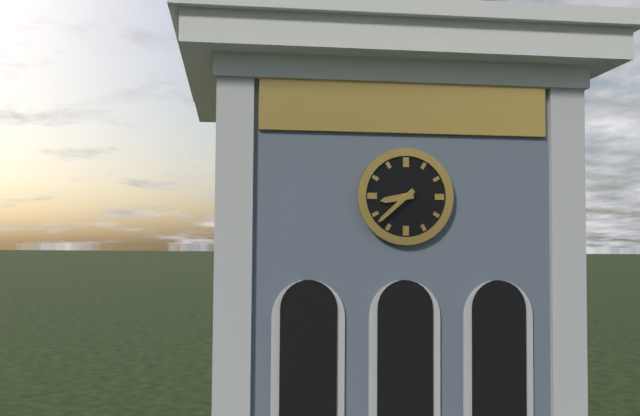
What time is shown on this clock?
8:38
